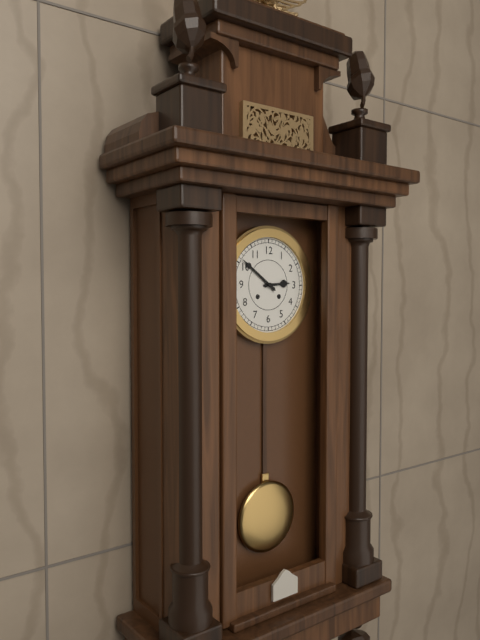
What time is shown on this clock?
2:51
